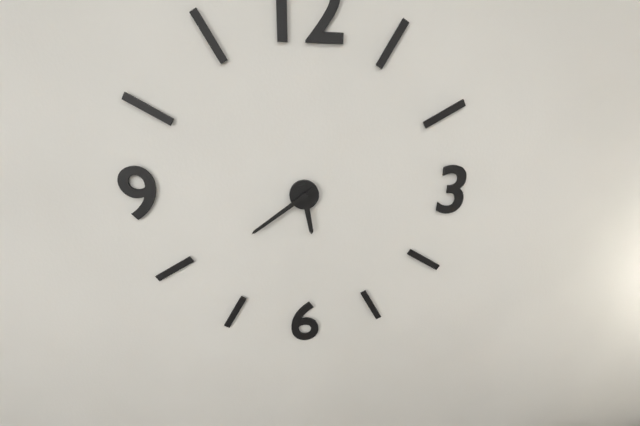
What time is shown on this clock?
5:39
